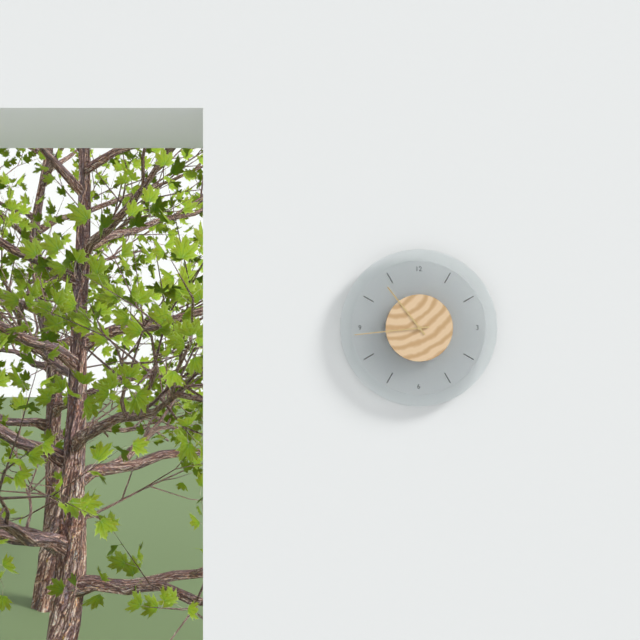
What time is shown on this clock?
10:44
